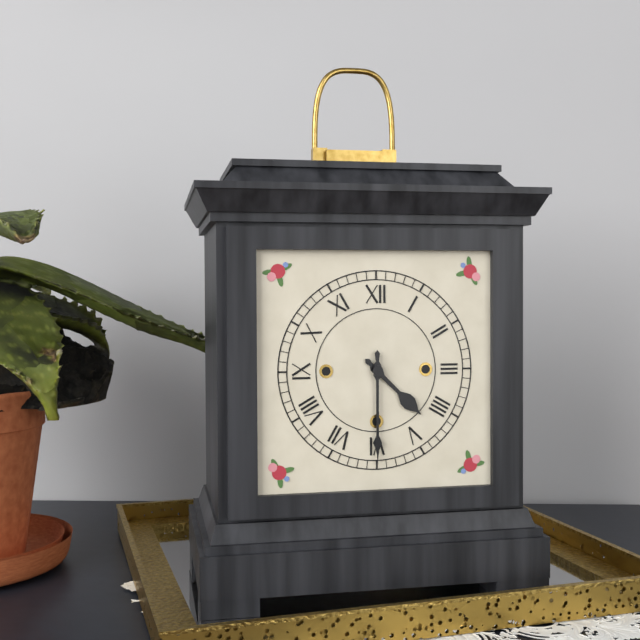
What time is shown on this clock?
4:30
